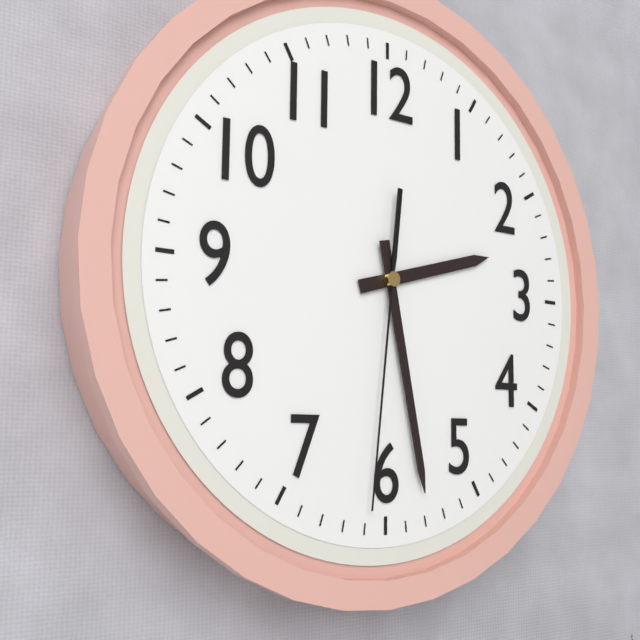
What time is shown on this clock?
2:28:31
